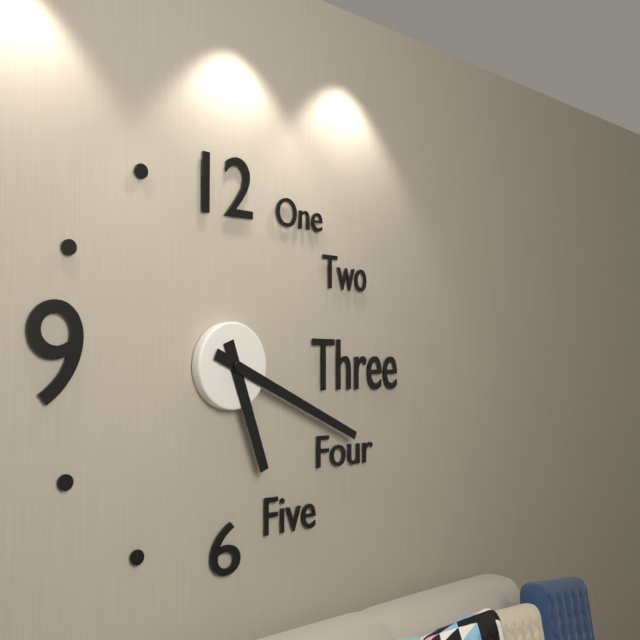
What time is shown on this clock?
5:19
